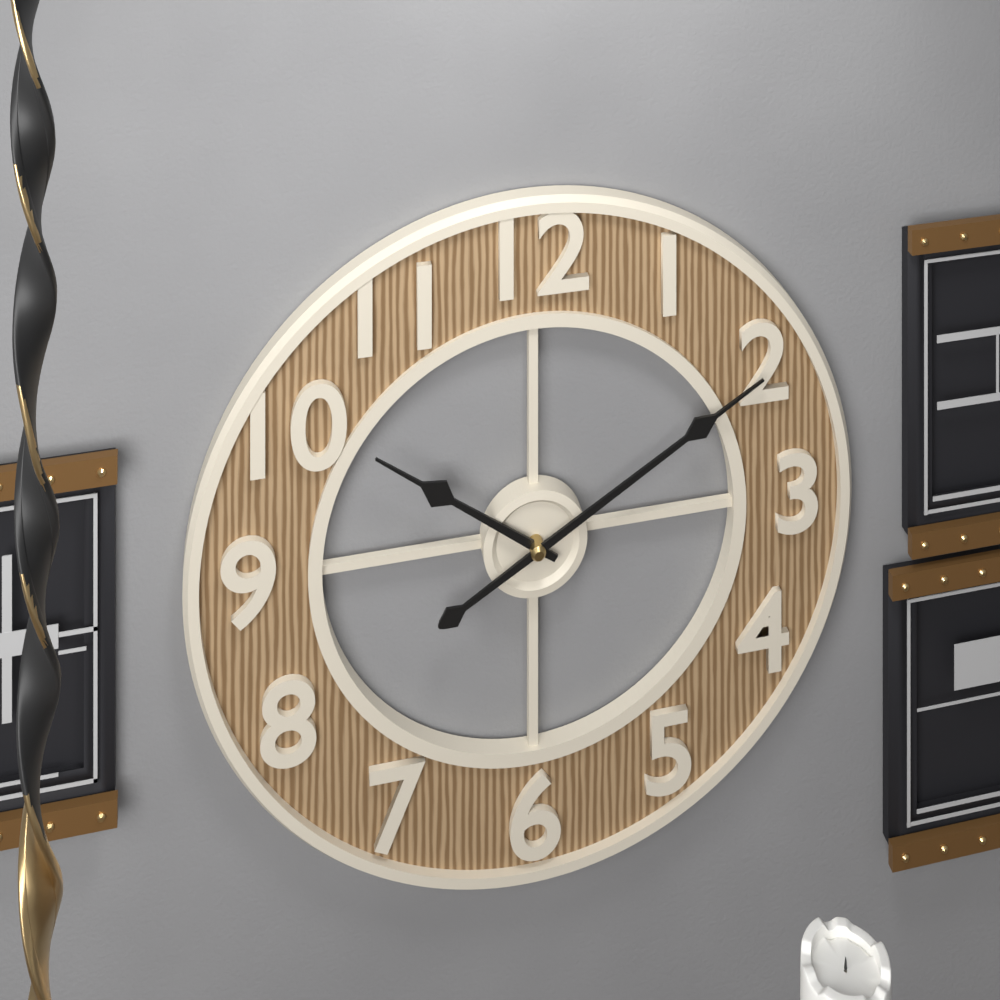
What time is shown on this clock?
10:10
